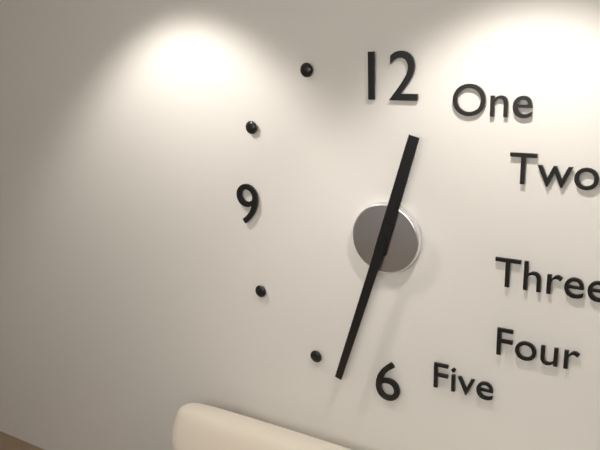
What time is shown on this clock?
12:33
